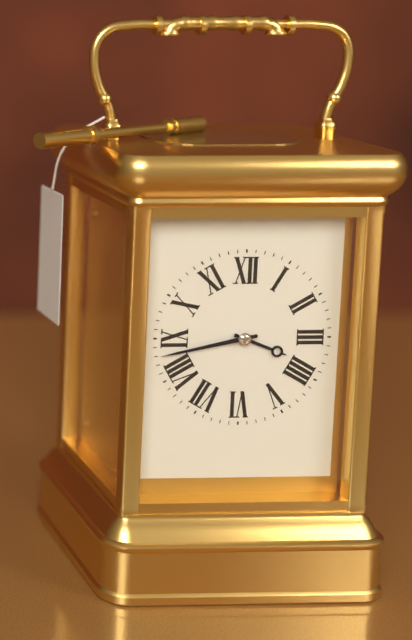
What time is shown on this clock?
3:43
